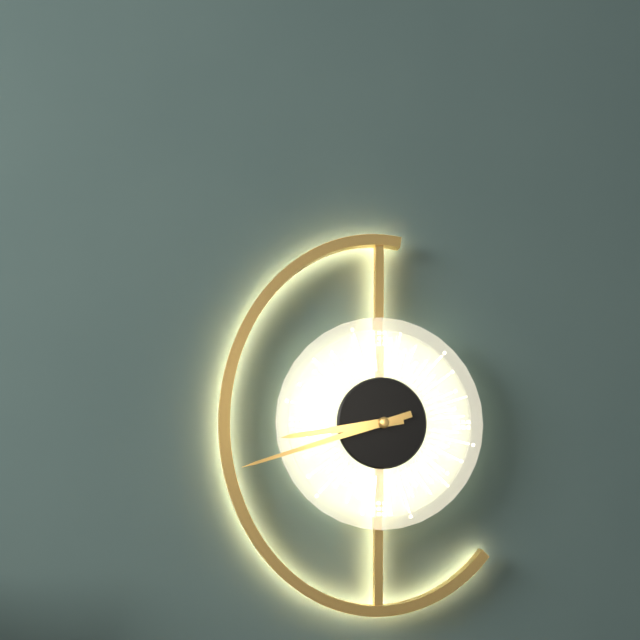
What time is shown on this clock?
8:42
